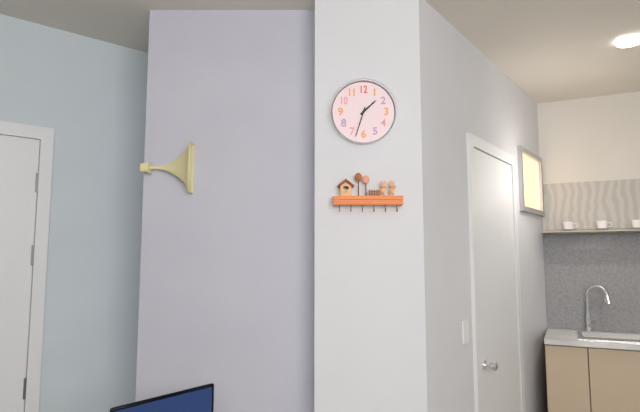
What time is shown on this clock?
1:33
